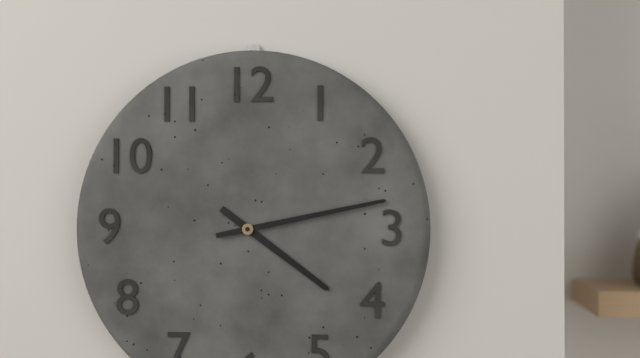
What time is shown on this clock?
4:13
